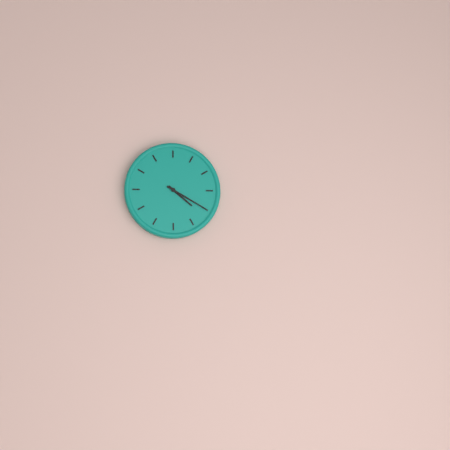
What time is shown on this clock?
4:20
